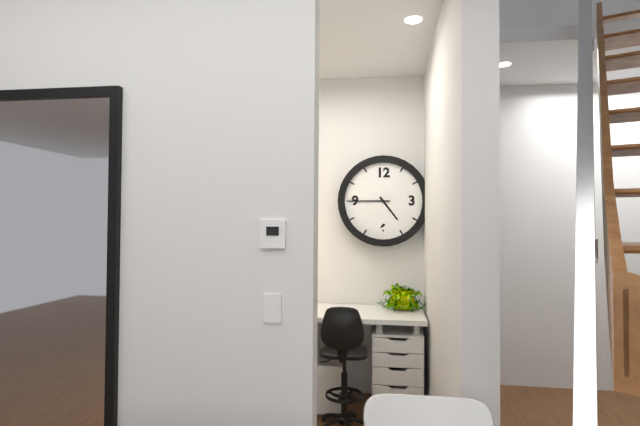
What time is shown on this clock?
4:45
